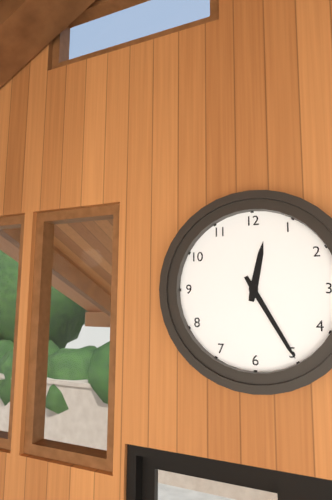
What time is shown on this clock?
12:25
